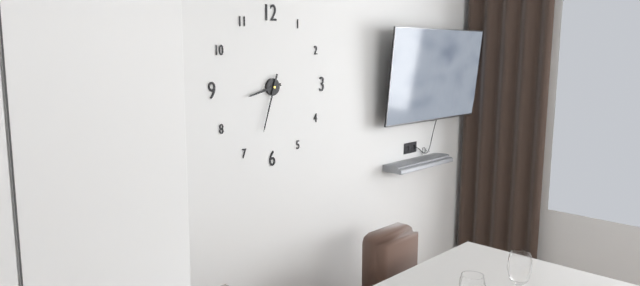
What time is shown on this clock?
8:33
